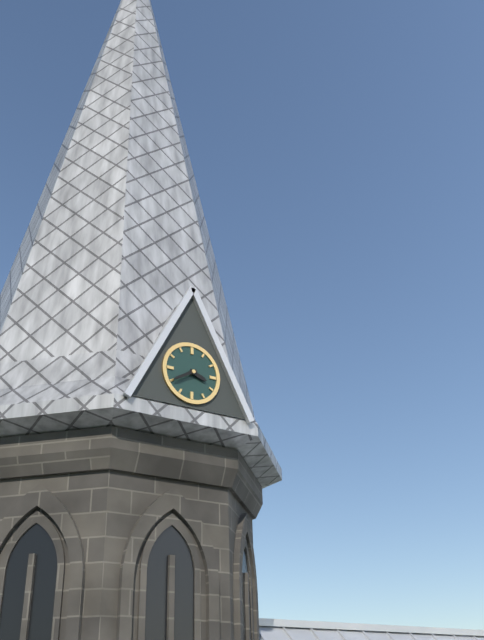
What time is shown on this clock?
3:40
